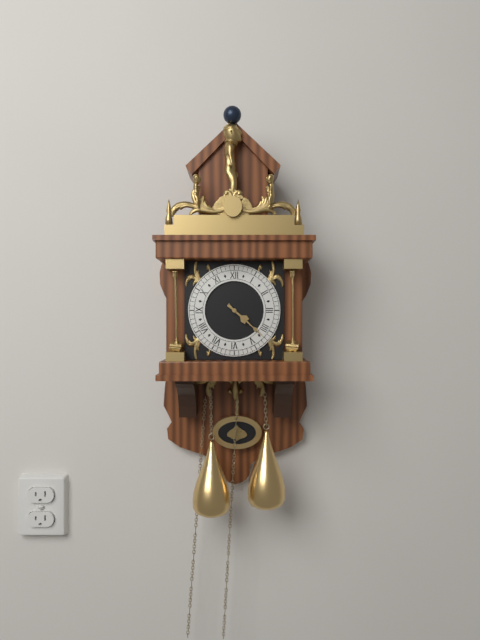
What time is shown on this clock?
4:22
